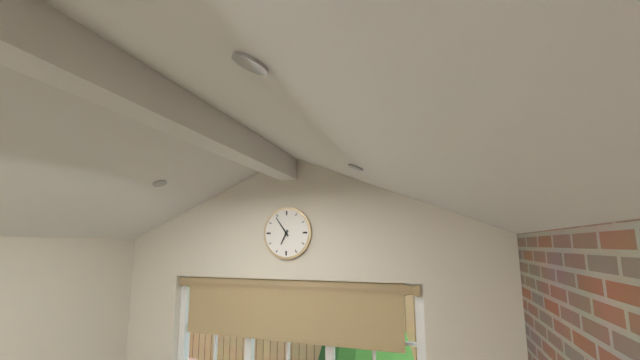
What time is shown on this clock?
6:54
